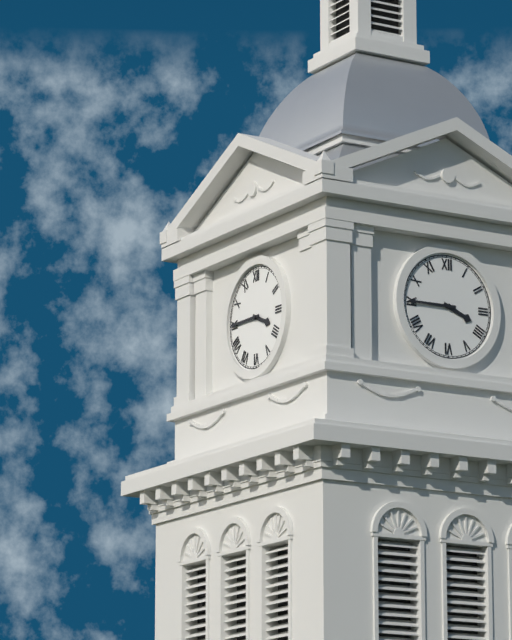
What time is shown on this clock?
3:45
